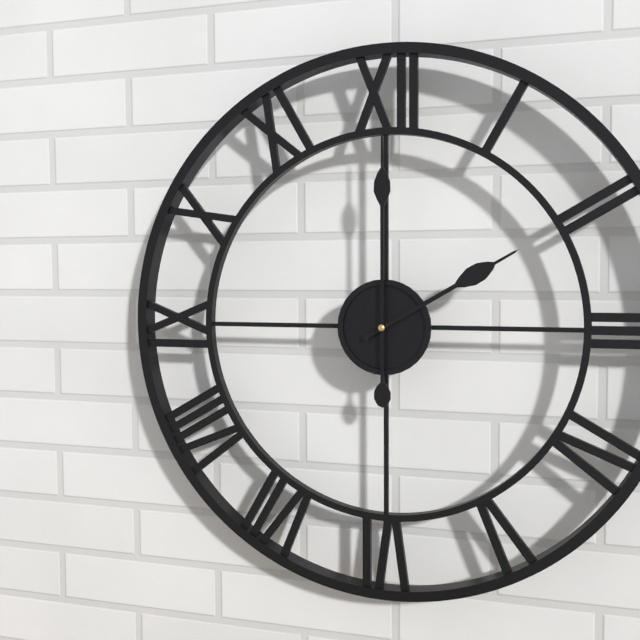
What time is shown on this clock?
2:00
